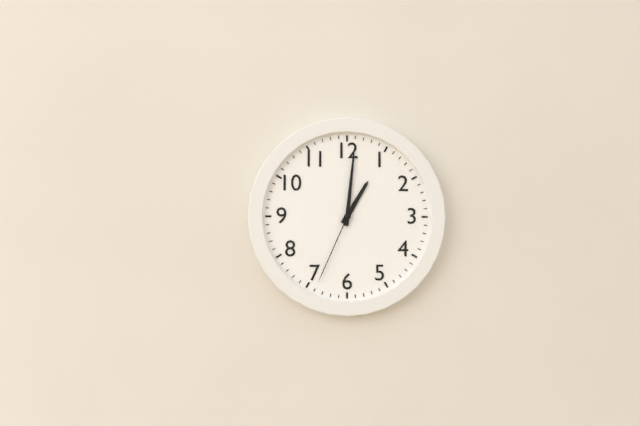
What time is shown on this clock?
1:01:34
